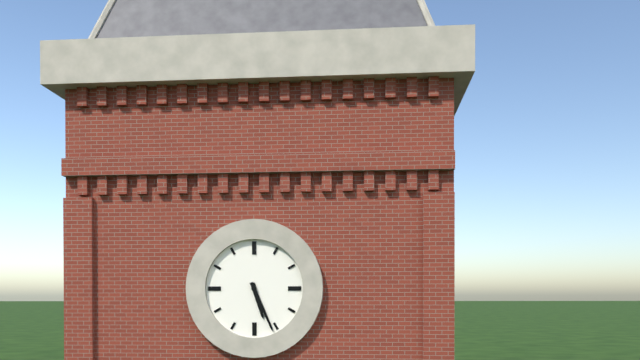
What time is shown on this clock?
5:26
